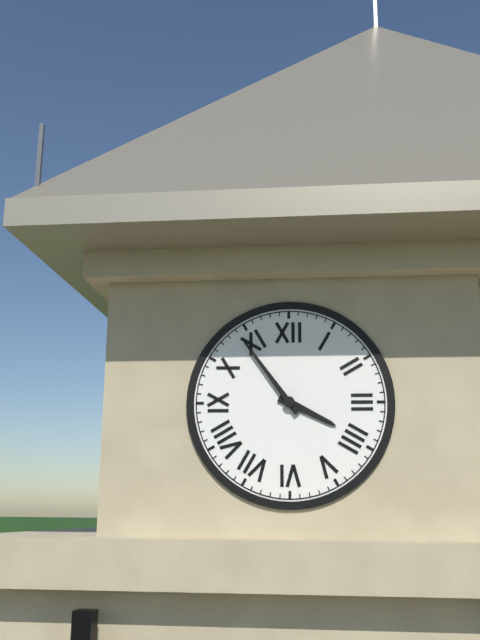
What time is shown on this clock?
3:54
